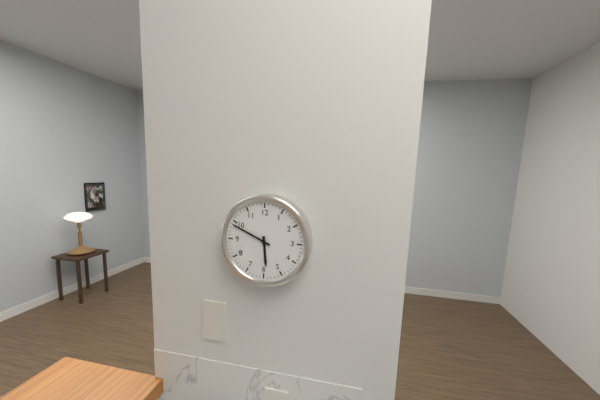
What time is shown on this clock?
5:49
